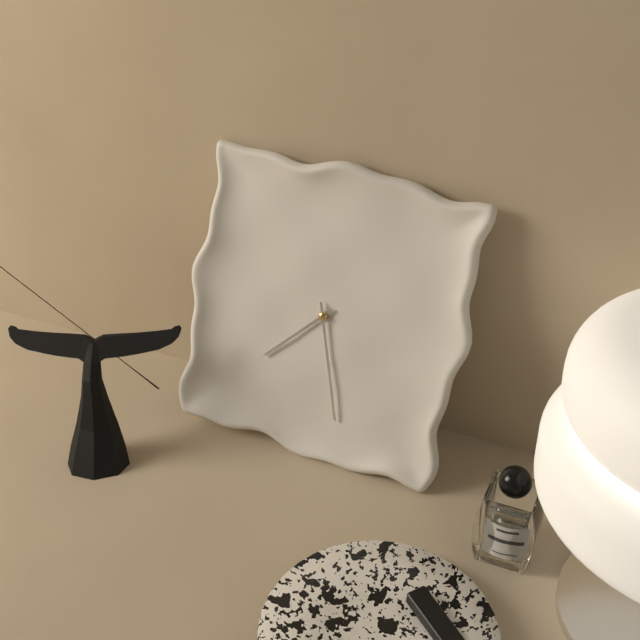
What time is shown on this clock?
7:27
